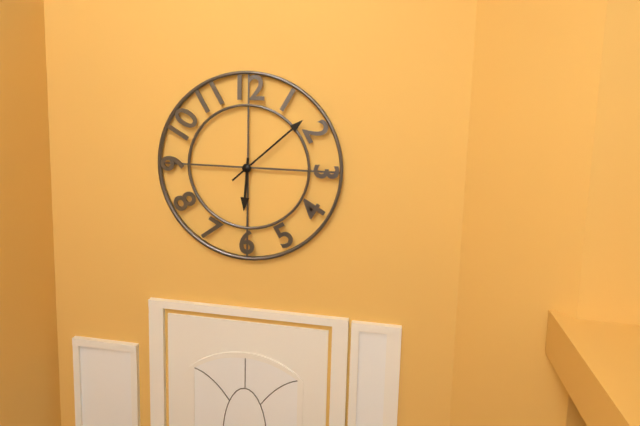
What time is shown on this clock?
6:08
